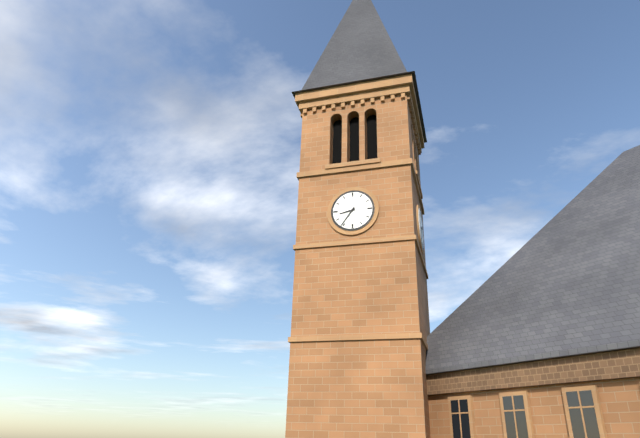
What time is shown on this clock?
8:36
